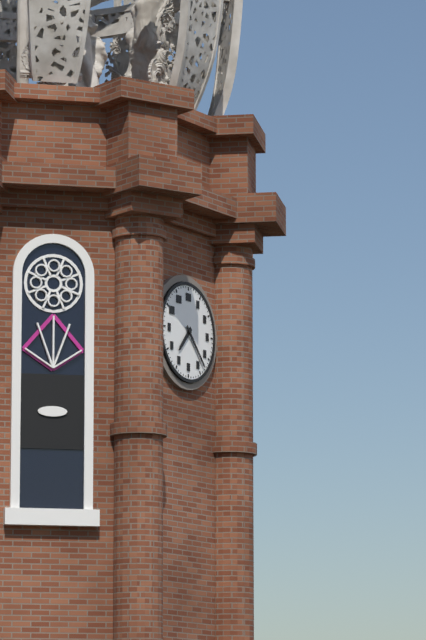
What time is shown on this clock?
7:23
